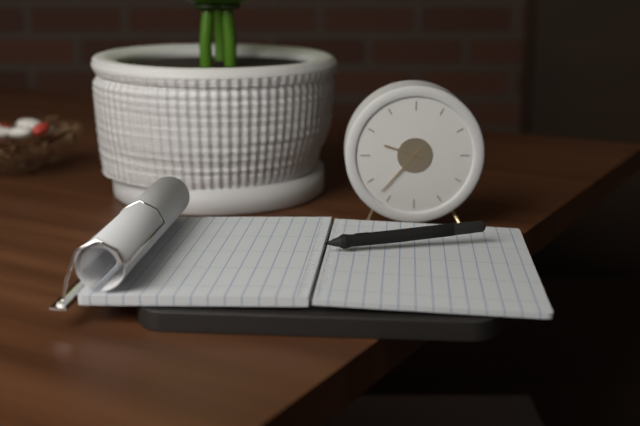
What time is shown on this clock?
9:37
